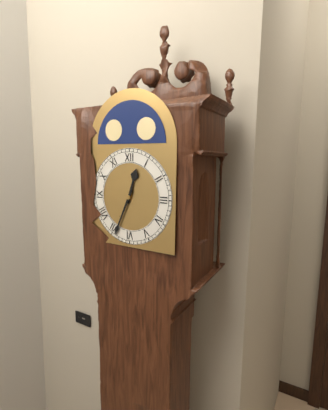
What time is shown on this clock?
12:34
